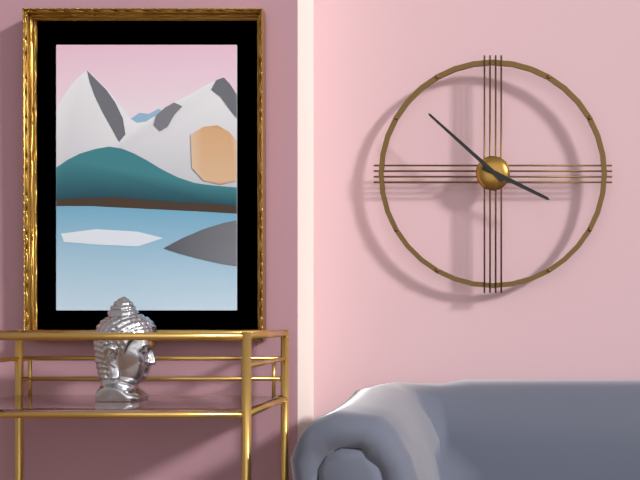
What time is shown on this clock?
3:52
